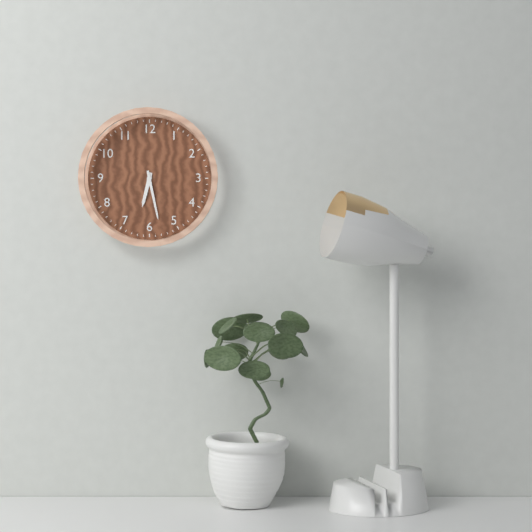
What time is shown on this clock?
6:28
